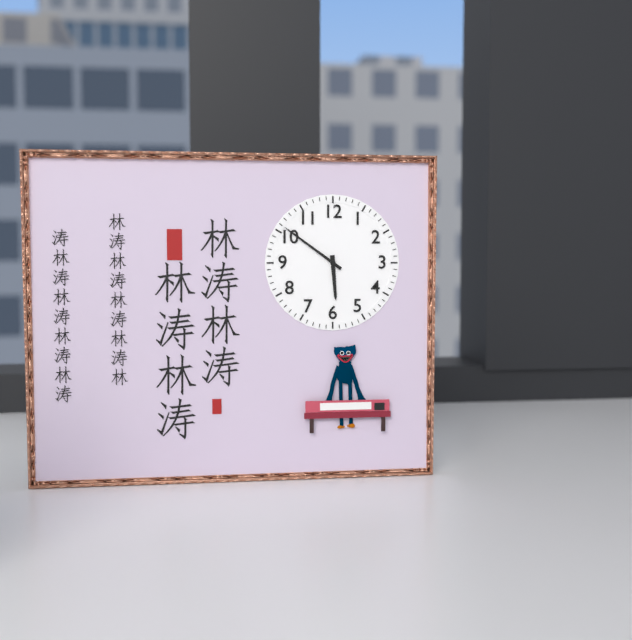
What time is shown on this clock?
5:51
